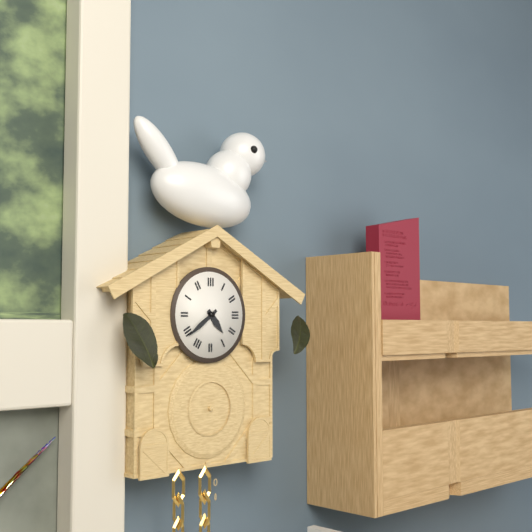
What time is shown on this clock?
4:39
